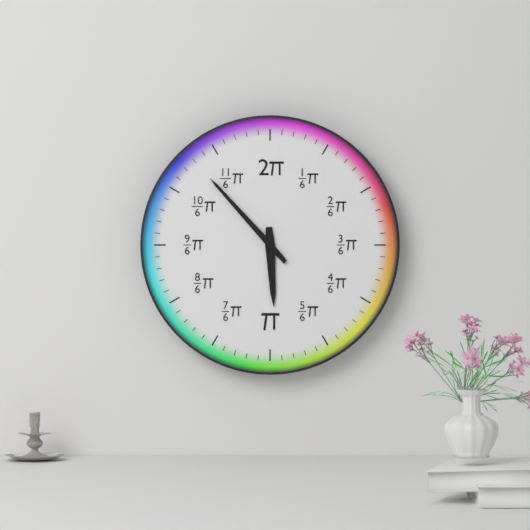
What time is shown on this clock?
5:53
